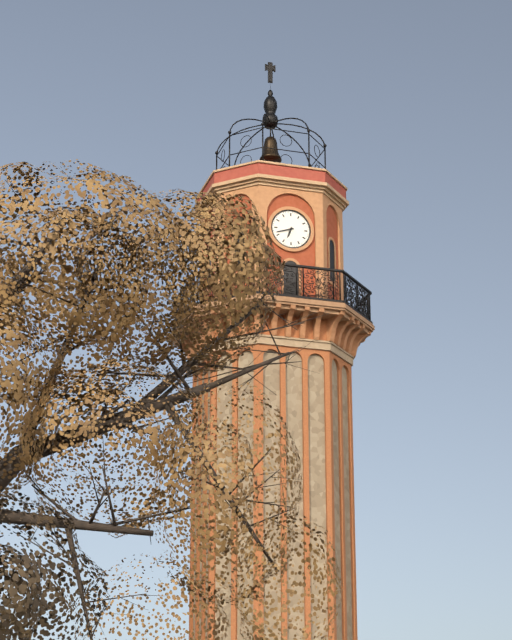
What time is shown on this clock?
6:42
